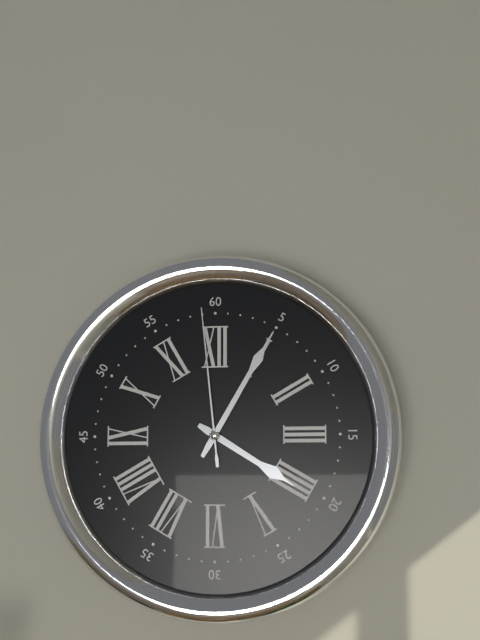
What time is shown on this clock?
4:05:59
